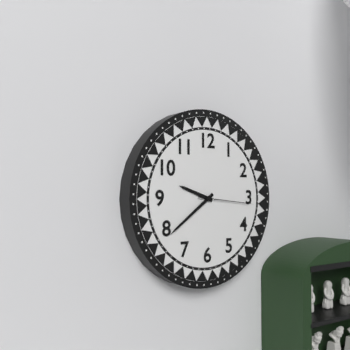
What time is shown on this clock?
9:39:16
